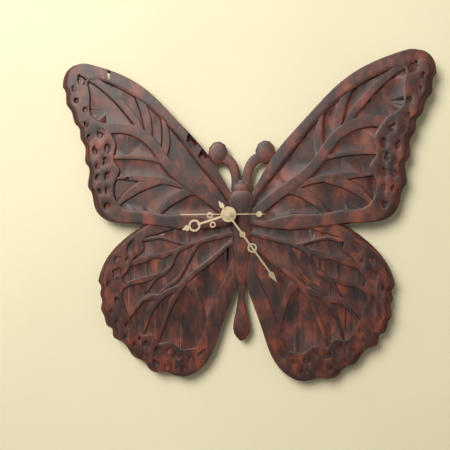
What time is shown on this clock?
8:24:45
